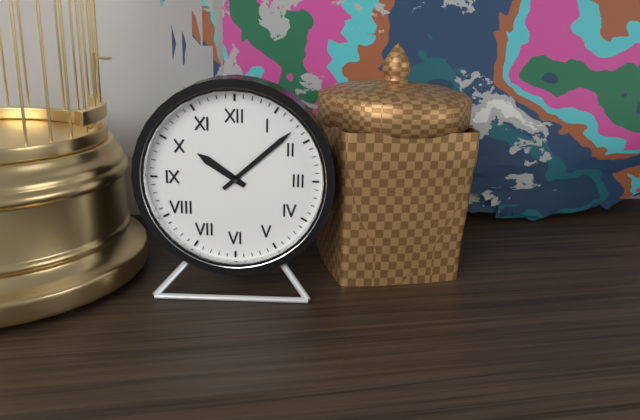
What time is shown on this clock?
10:08
